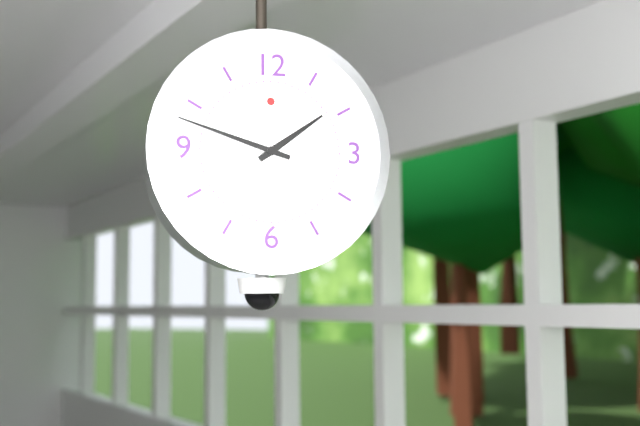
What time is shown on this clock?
1:48
